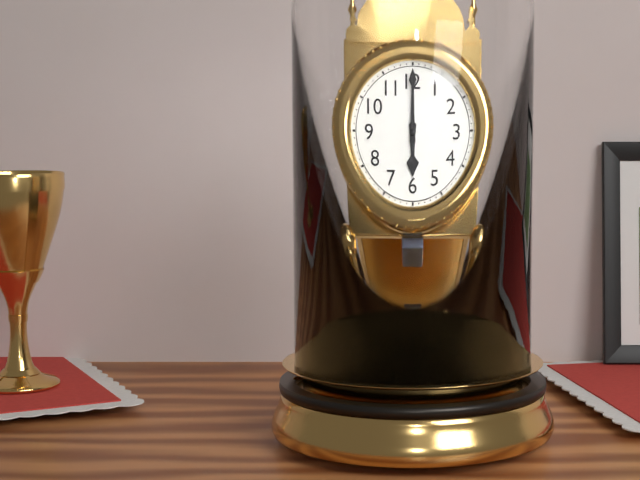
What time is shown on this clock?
6:00
